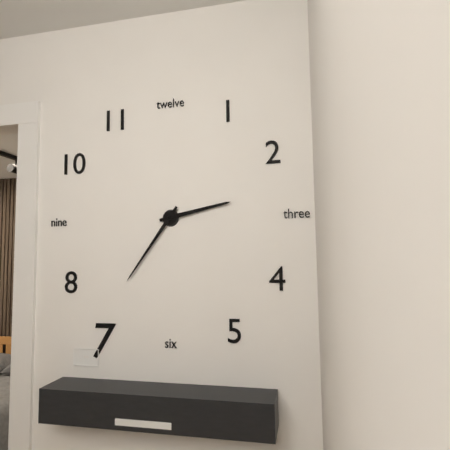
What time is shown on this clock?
2:36
